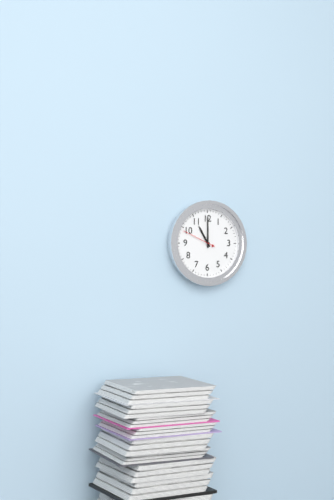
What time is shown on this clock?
11:00
